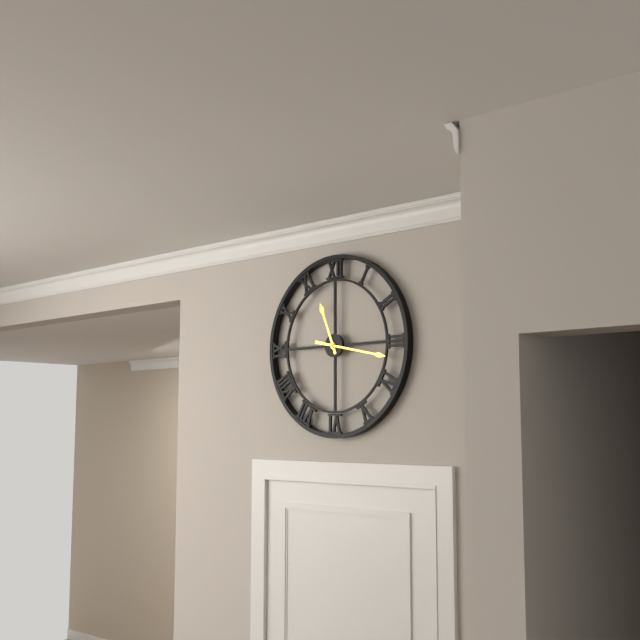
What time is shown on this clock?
11:17
